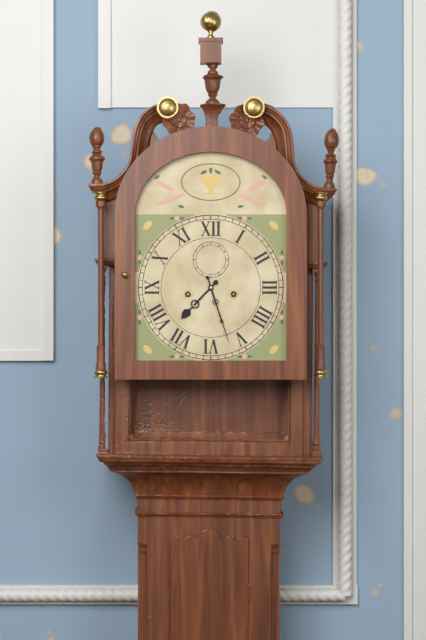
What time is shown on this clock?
7:27
